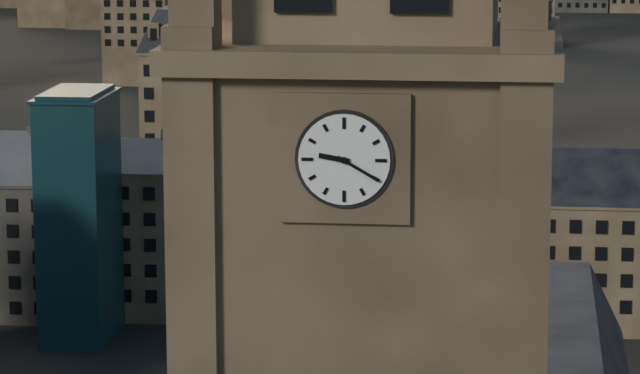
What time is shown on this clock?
9:20
